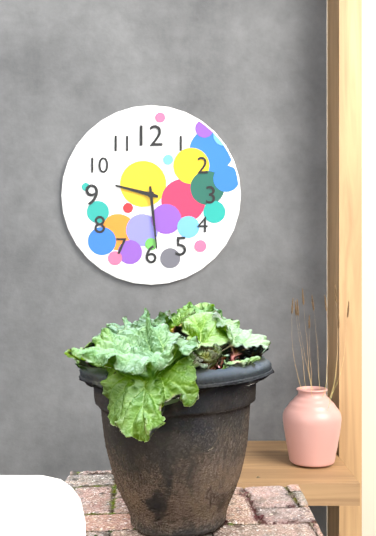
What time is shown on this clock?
9:29
